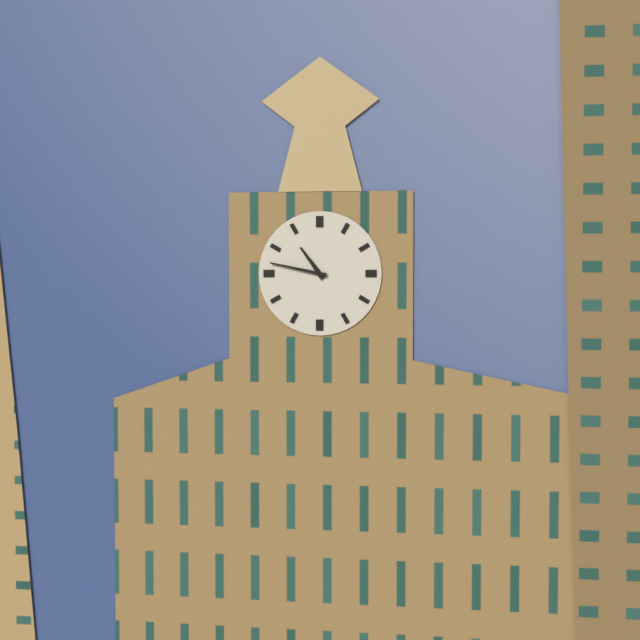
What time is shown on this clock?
10:47
